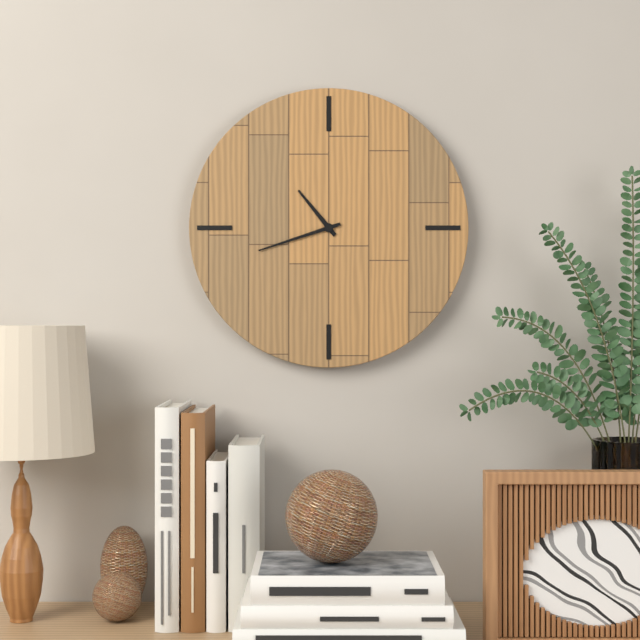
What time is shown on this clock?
10:42
